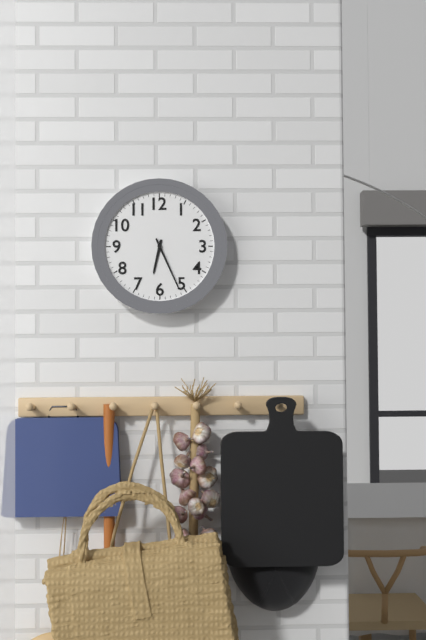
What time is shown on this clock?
6:26
